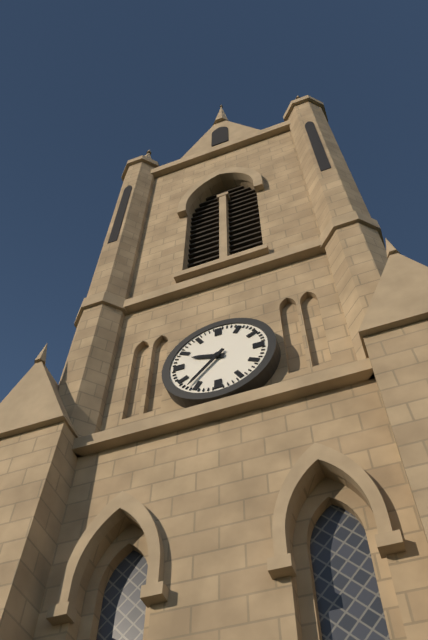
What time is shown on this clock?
9:37
